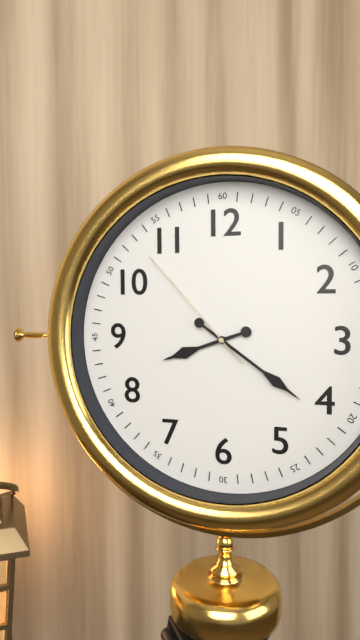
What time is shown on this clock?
8:21:53
